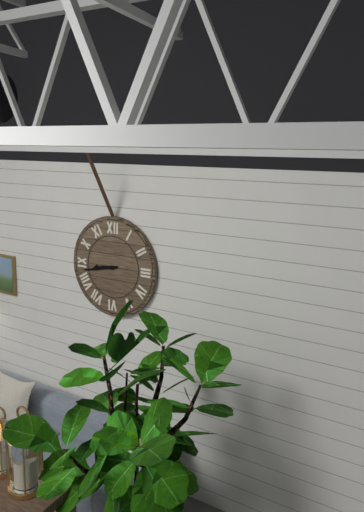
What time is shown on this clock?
8:43
